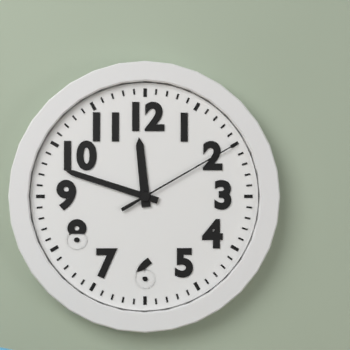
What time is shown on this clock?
11:48:10
